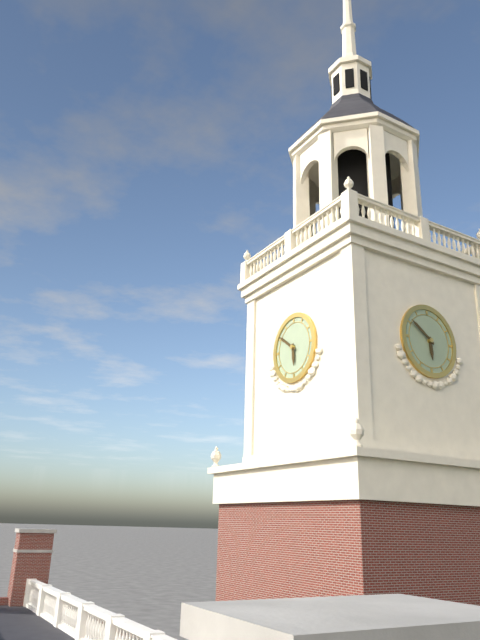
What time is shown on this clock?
5:51
